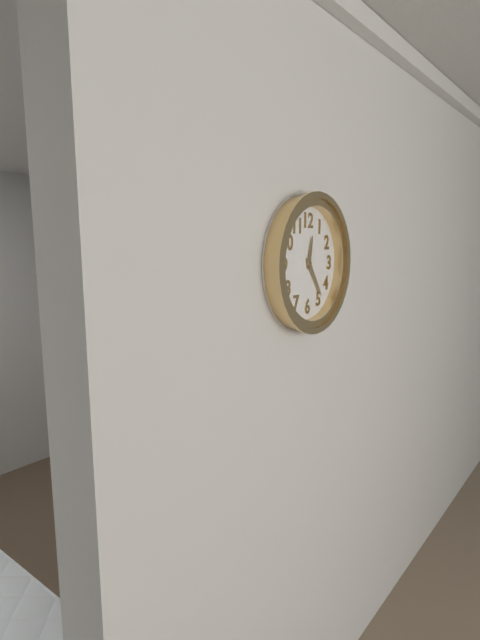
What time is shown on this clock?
12:24
